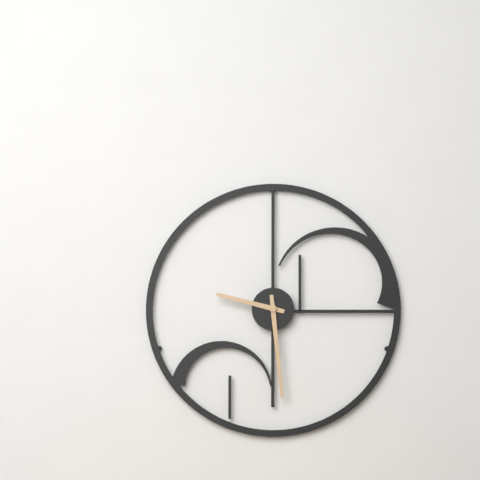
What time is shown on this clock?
9:29
